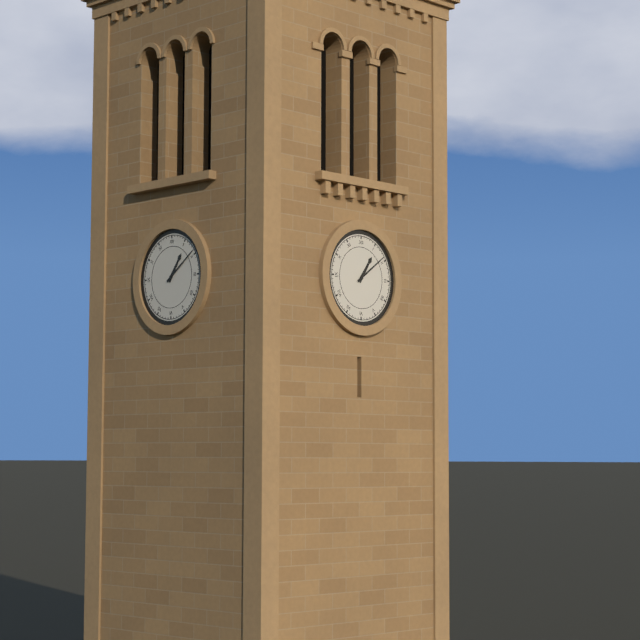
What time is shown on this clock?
1:09
